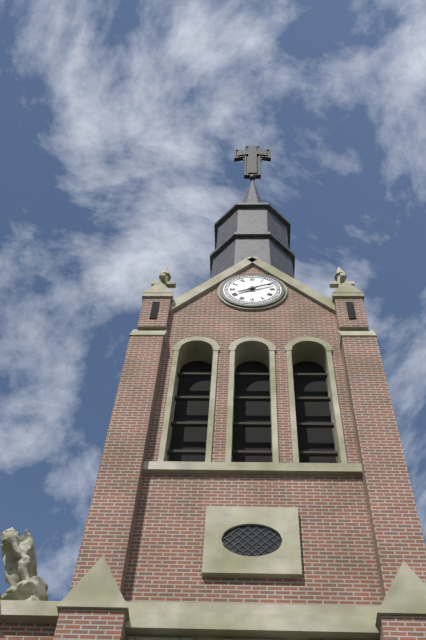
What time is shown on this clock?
8:11
